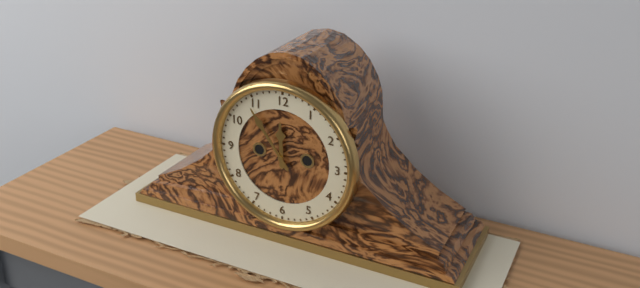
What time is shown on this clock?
11:54
